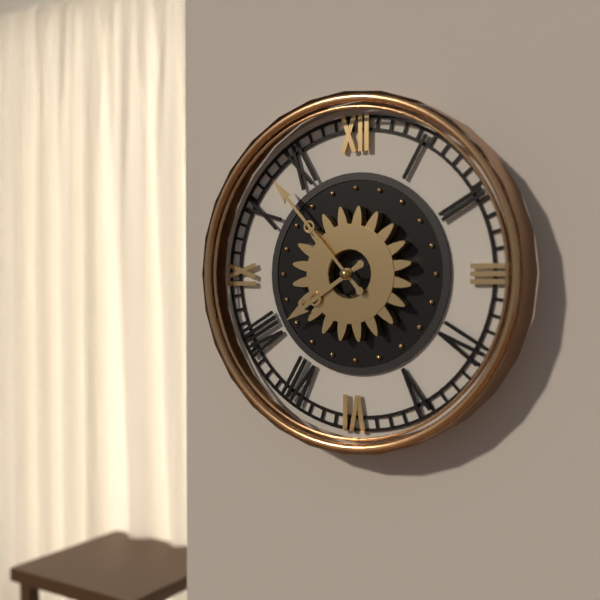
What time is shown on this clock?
7:53
